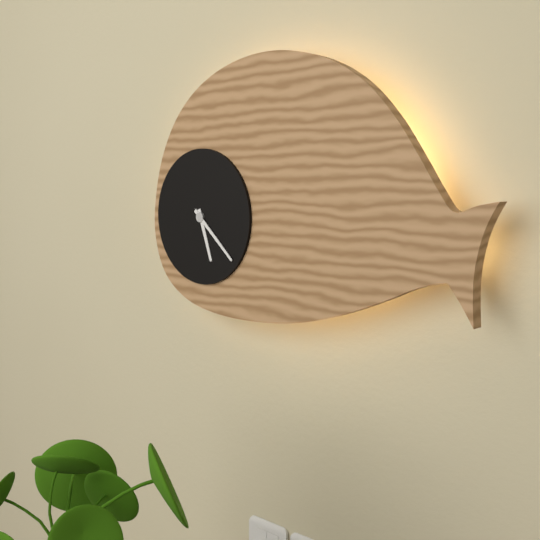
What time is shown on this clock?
5:22
